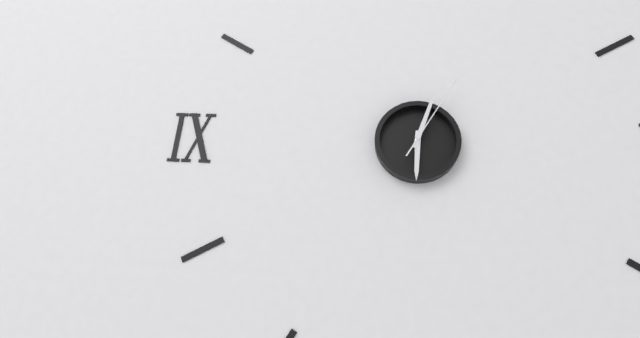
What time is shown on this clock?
6:03:05
